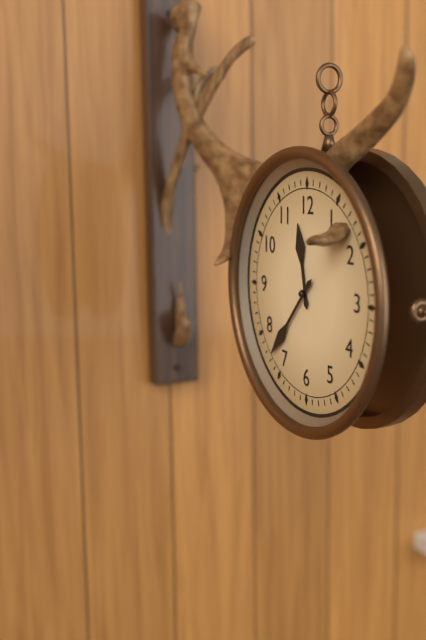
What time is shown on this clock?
11:37
